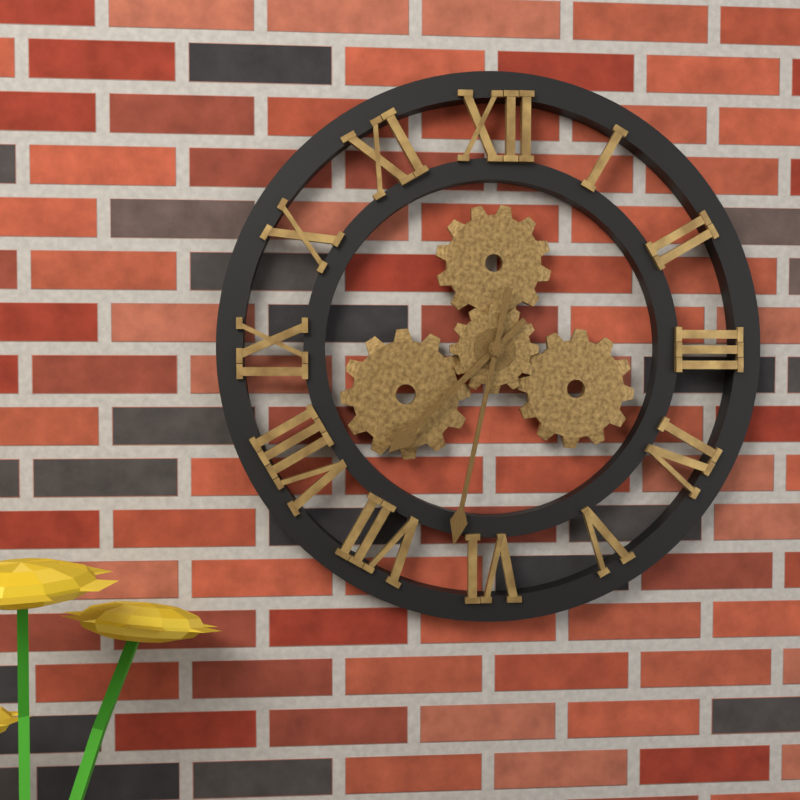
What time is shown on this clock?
7:32
